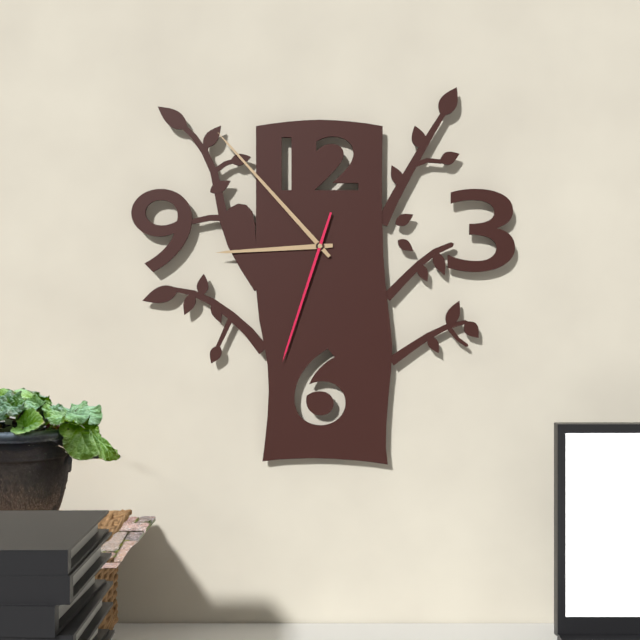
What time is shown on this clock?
8:53:33
